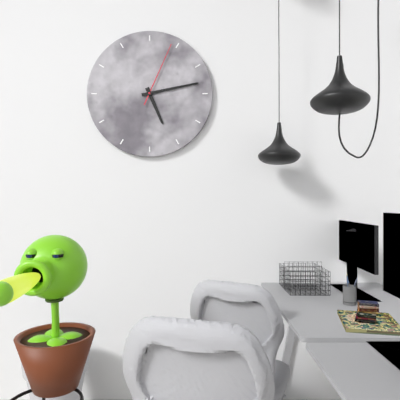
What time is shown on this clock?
5:13:04
